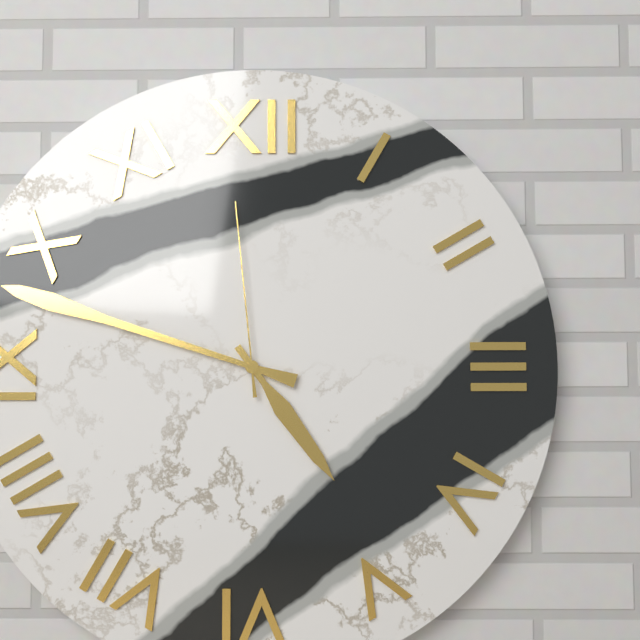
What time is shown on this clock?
4:48:59
